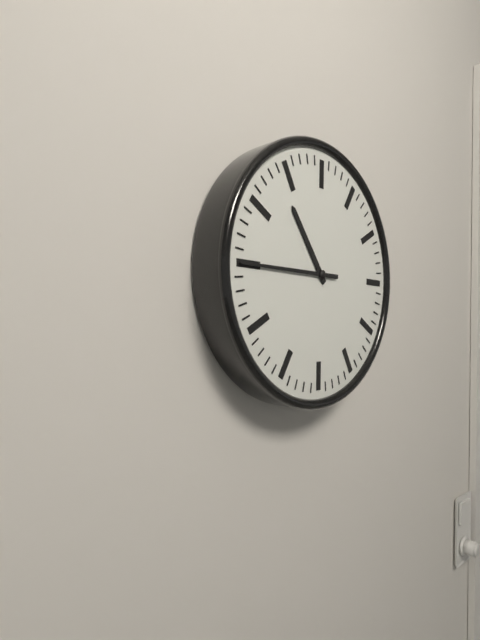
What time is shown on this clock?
10:45
